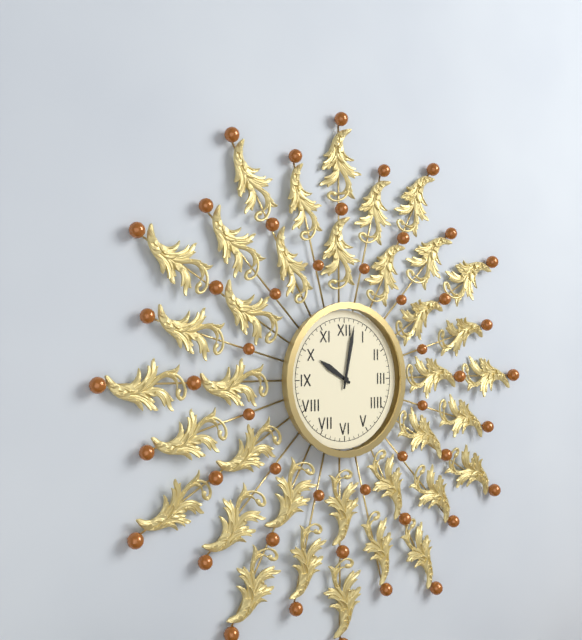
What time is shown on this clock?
10:02
